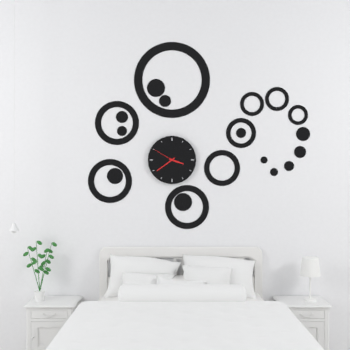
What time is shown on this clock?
3:39
